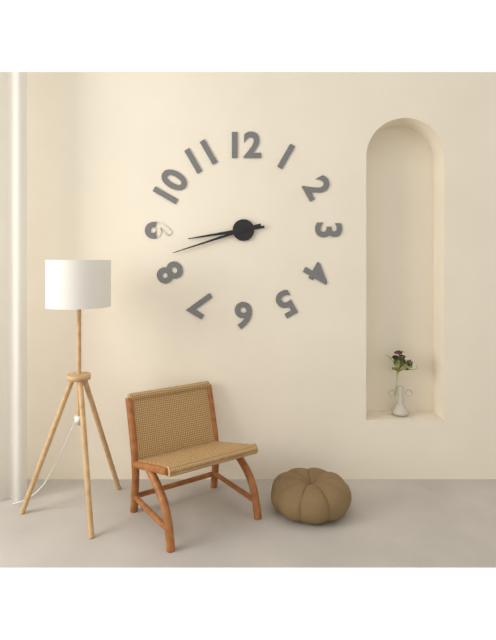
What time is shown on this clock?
8:42
